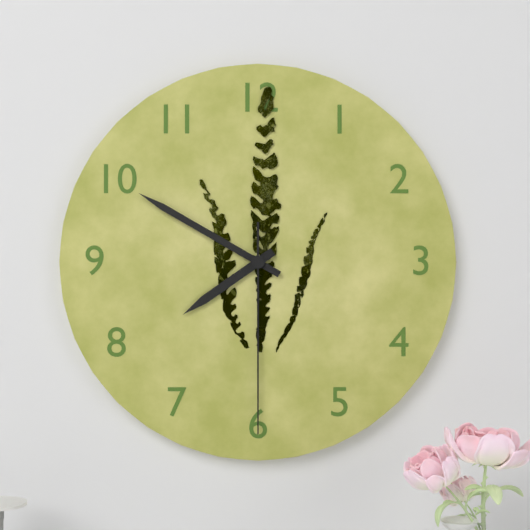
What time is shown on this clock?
7:50:30
